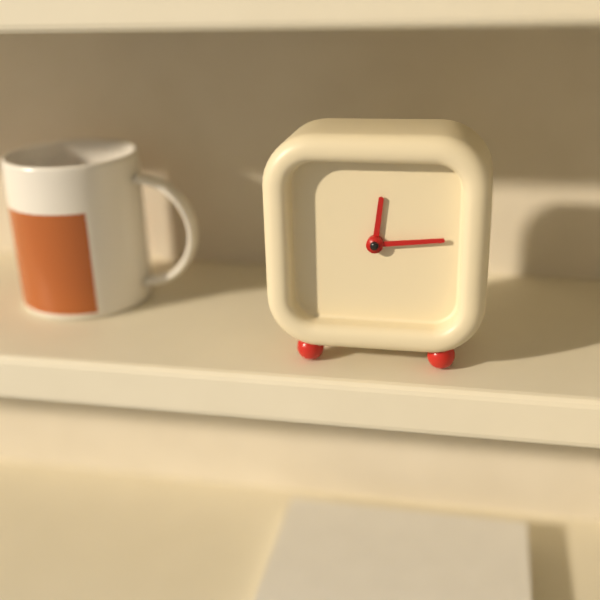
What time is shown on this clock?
12:14
